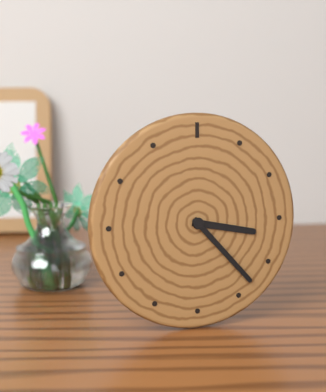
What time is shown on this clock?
3:23
